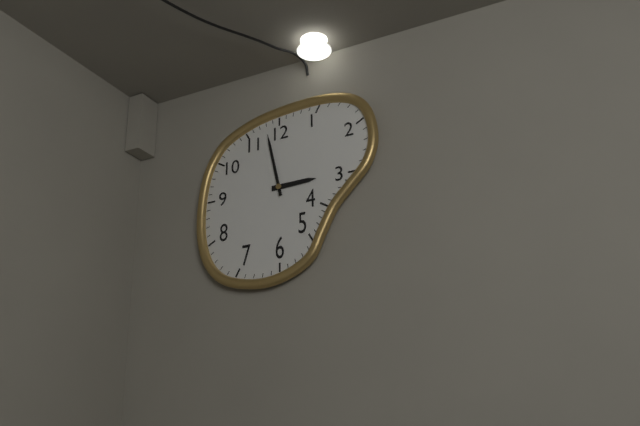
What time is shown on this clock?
2:58
